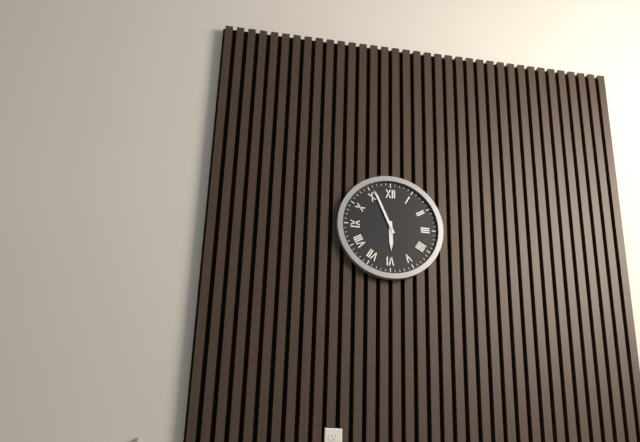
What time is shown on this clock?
5:56
